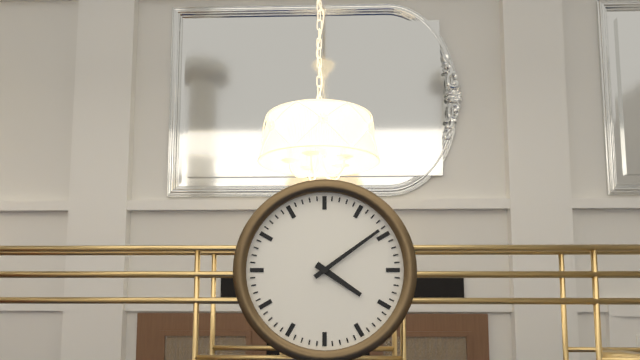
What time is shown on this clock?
4:09
